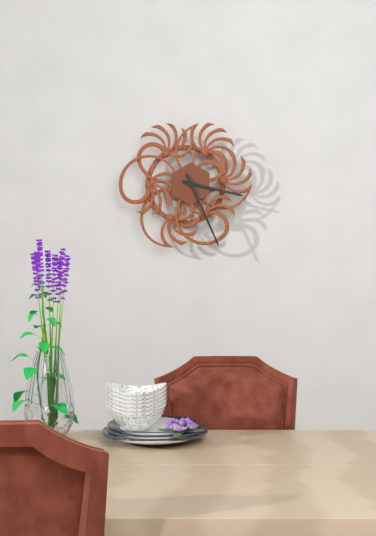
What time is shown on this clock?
3:26
